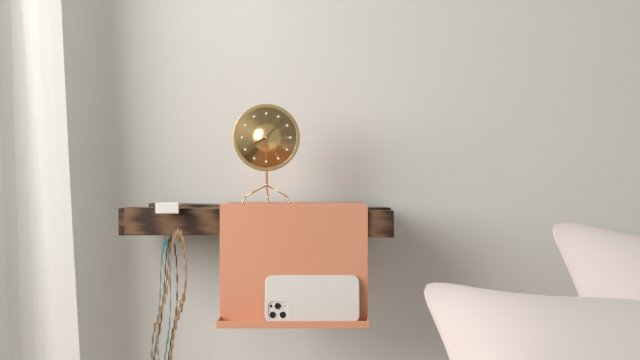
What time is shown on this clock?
8:07
